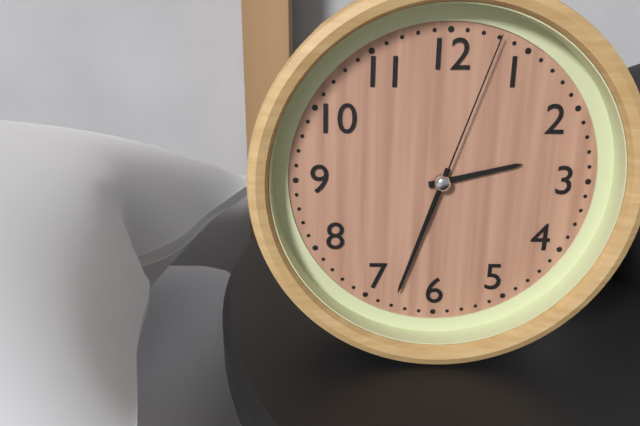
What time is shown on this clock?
2:33:03
